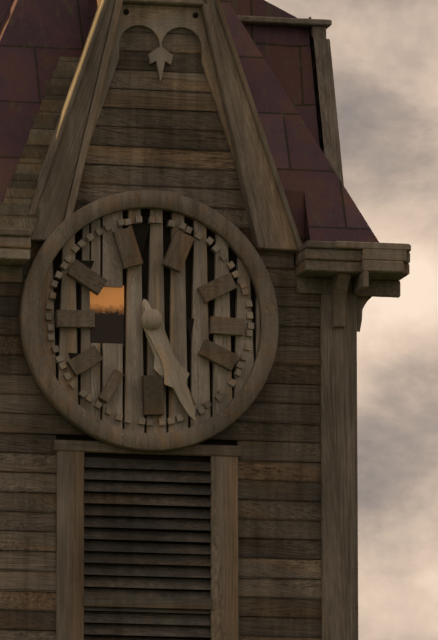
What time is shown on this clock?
5:26
